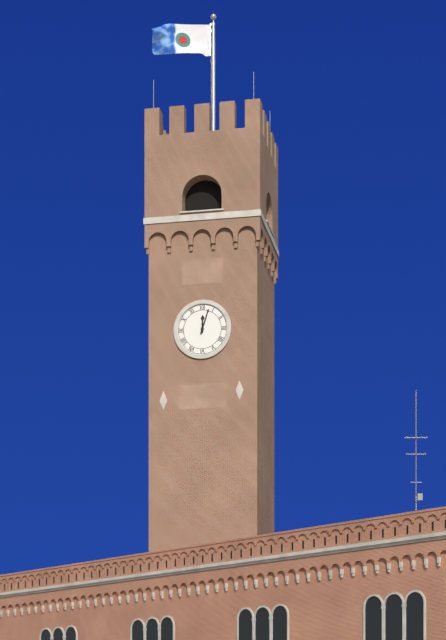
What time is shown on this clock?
12:03
